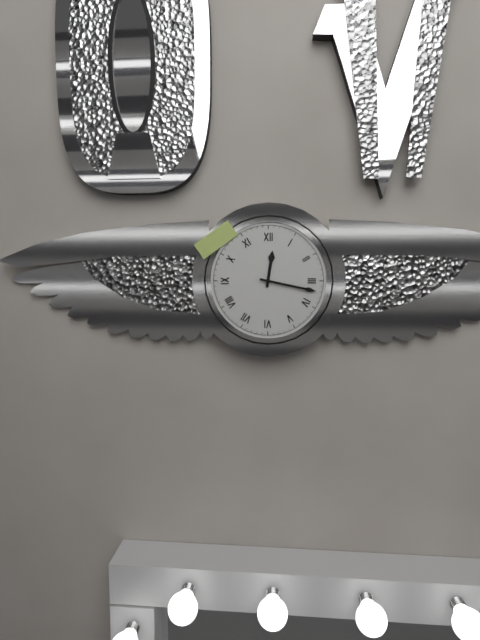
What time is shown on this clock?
12:17
